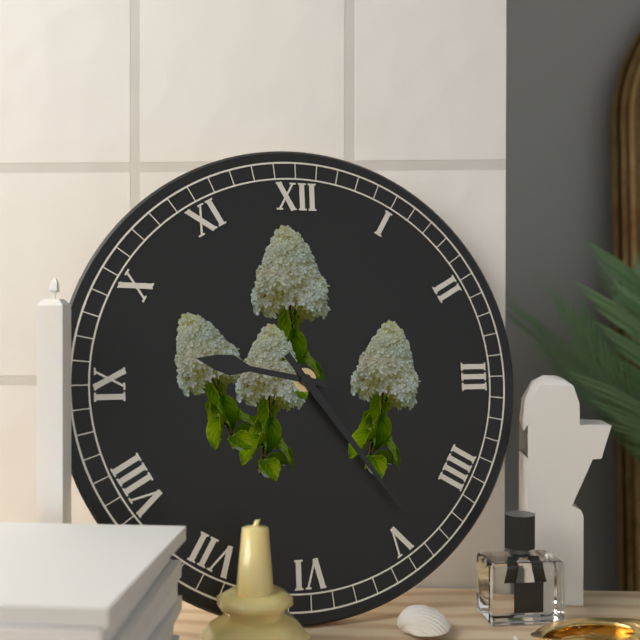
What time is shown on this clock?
9:24
